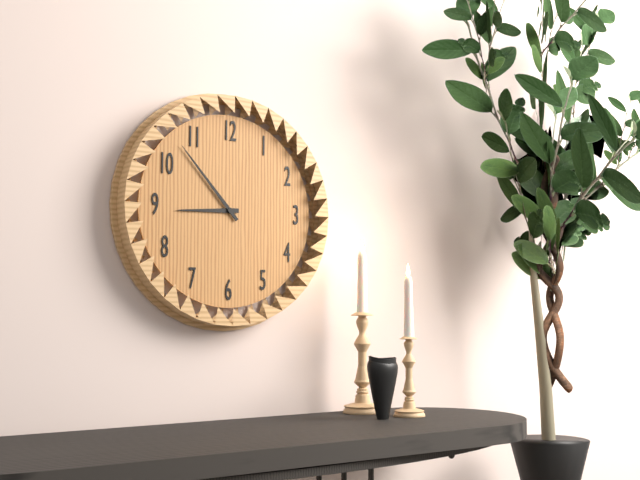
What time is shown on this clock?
8:53
